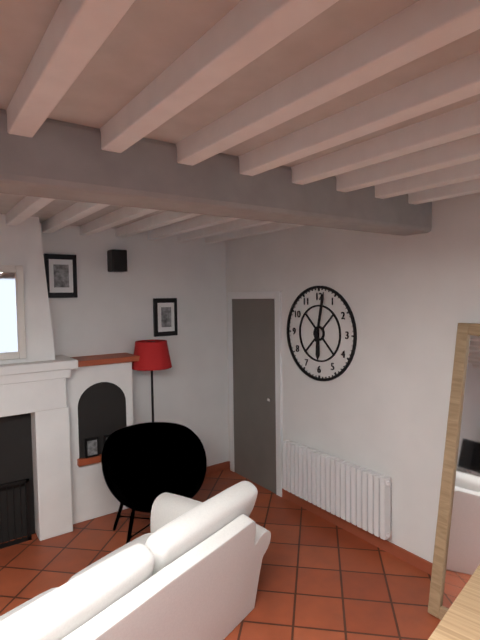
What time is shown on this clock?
6:02
